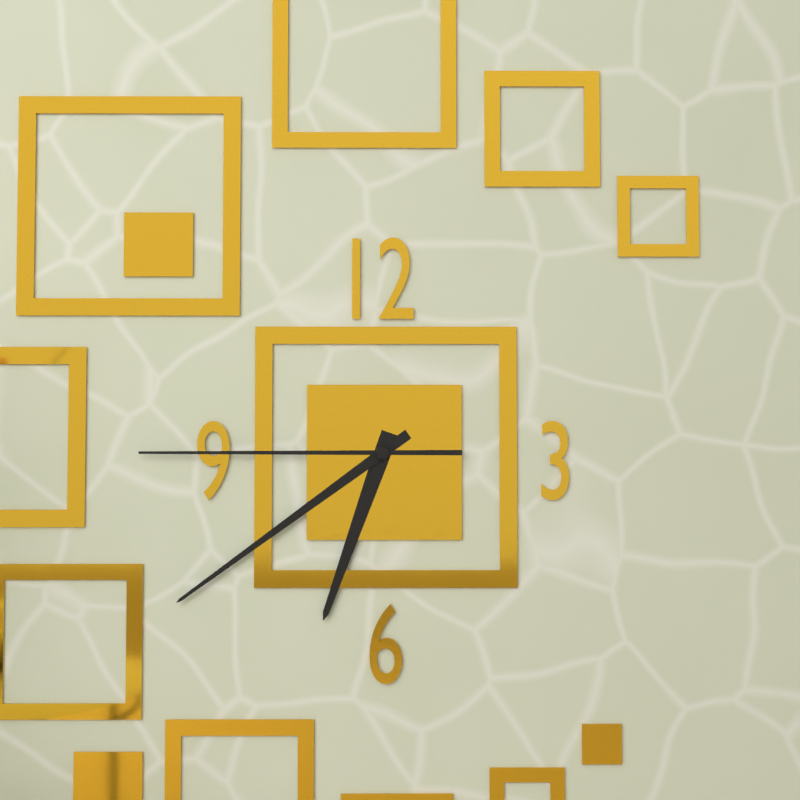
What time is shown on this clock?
6:39:45
